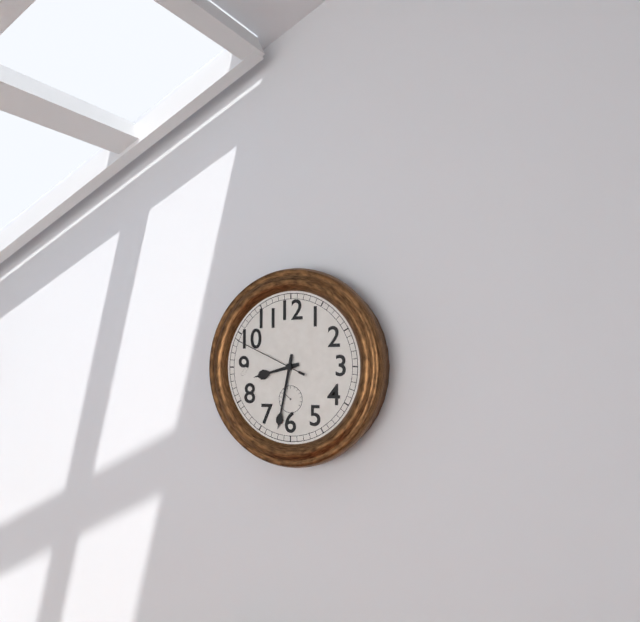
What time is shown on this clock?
8:32:49
